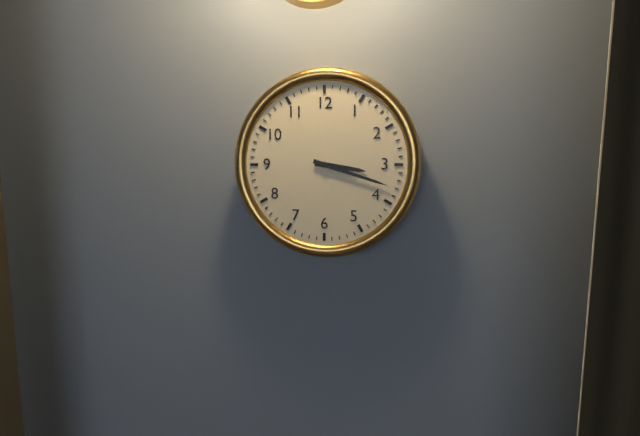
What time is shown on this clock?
3:18
